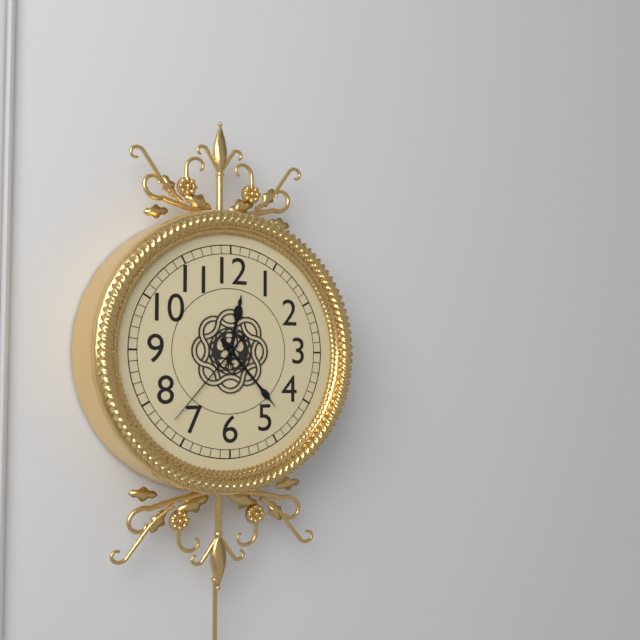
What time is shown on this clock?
12:23:37
